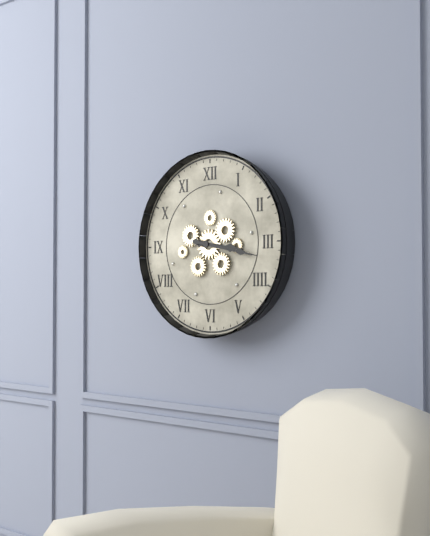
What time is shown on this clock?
3:17
